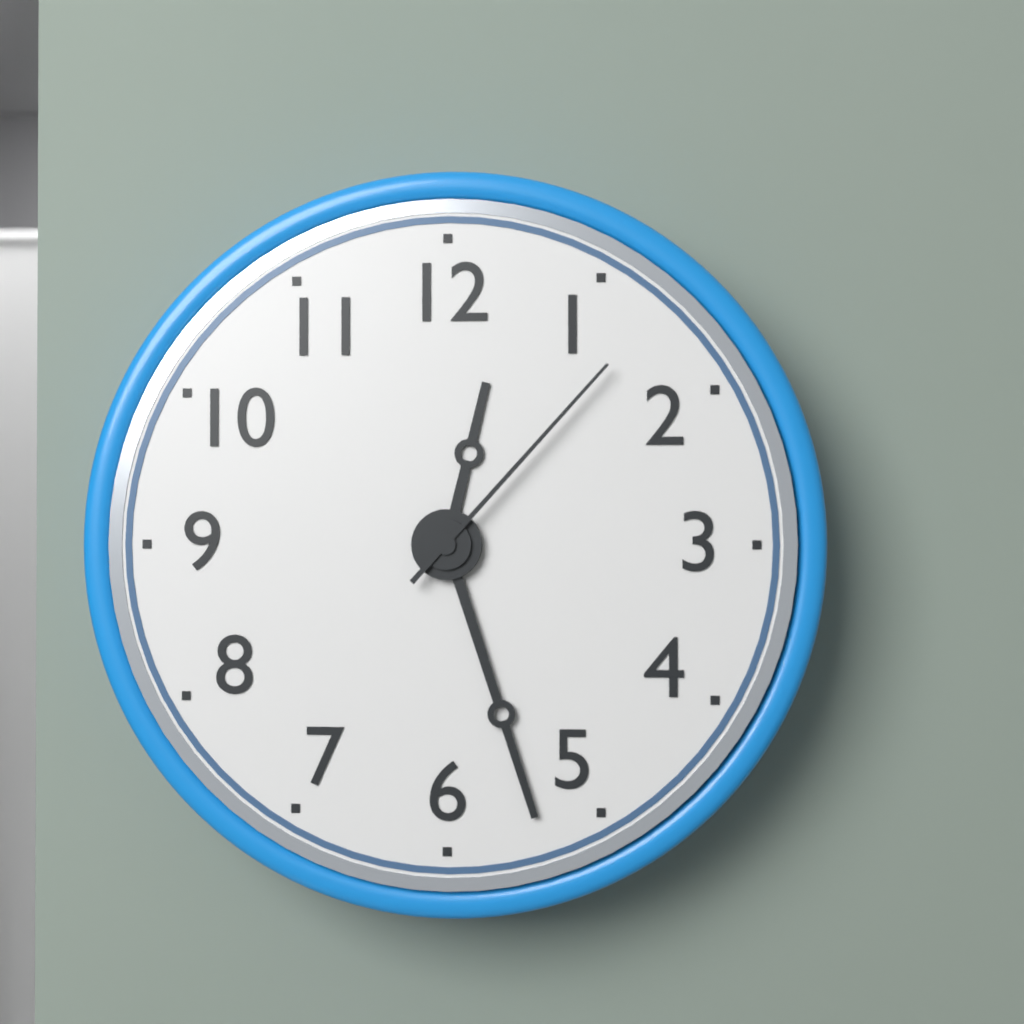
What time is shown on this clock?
12:27:07
